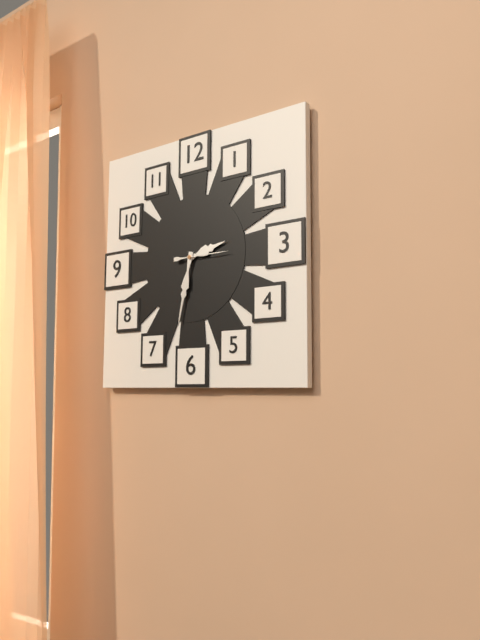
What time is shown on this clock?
2:32
